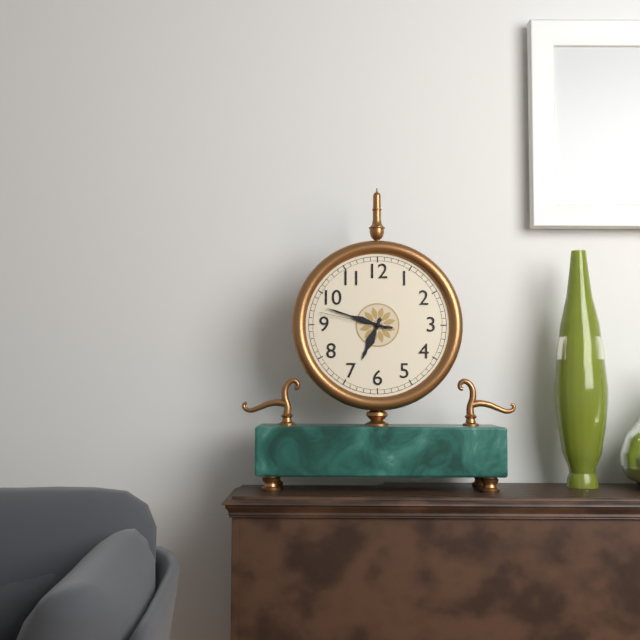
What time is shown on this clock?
6:48:47
